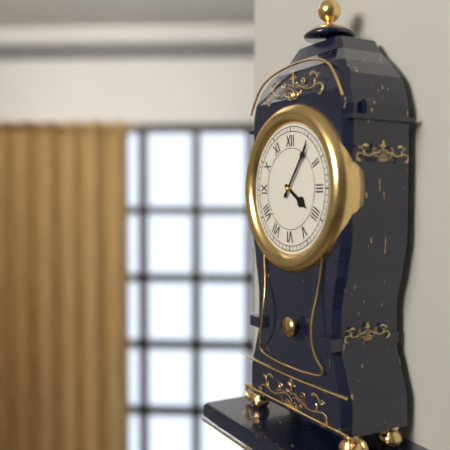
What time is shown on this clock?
4:06
